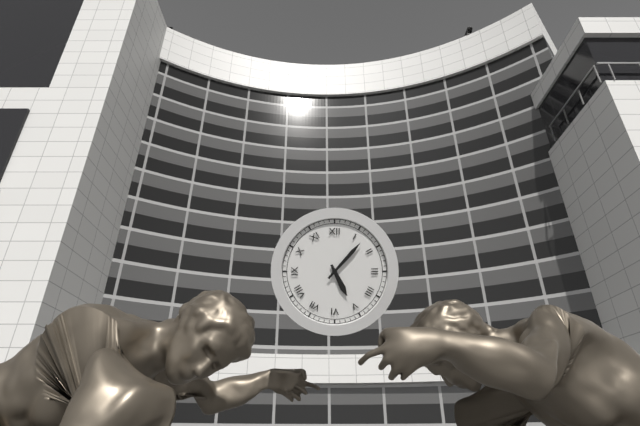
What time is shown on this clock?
5:07
